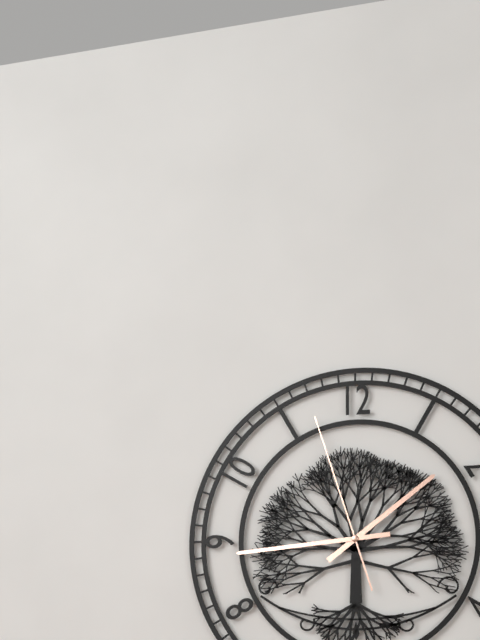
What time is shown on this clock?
1:44:57
